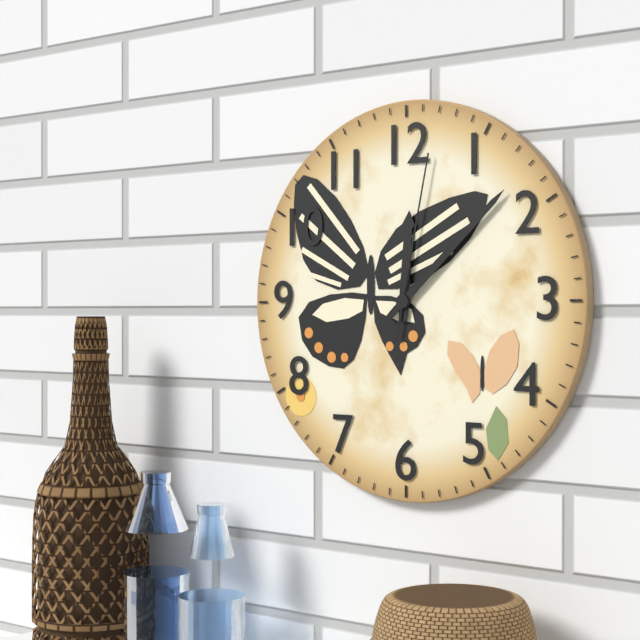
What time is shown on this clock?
12:08:02
